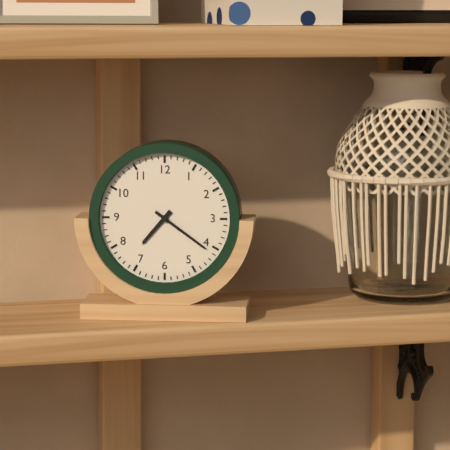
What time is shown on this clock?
7:21
